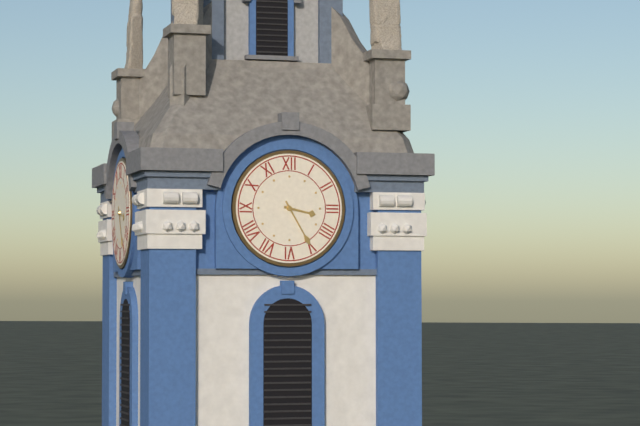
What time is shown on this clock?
3:25
